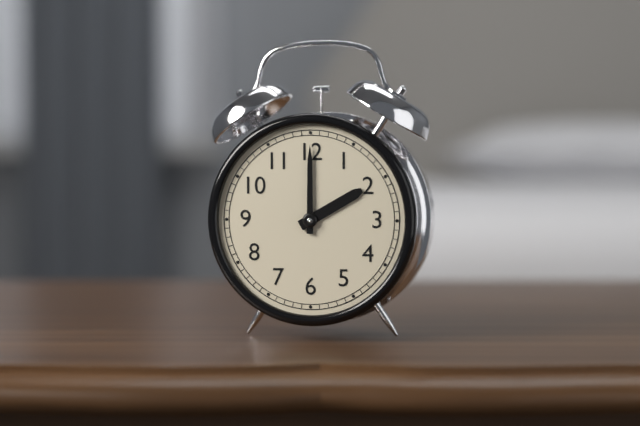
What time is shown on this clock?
2:00
